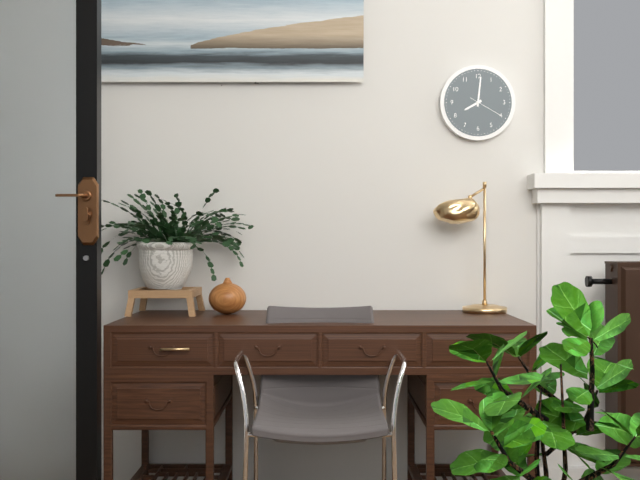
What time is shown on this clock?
8:01
